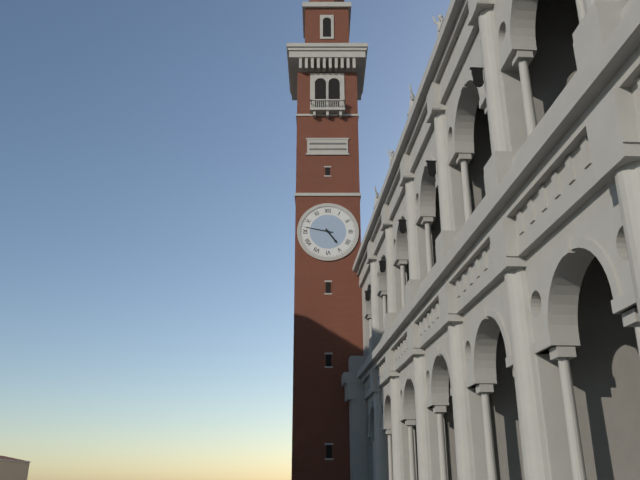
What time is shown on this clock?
4:47
